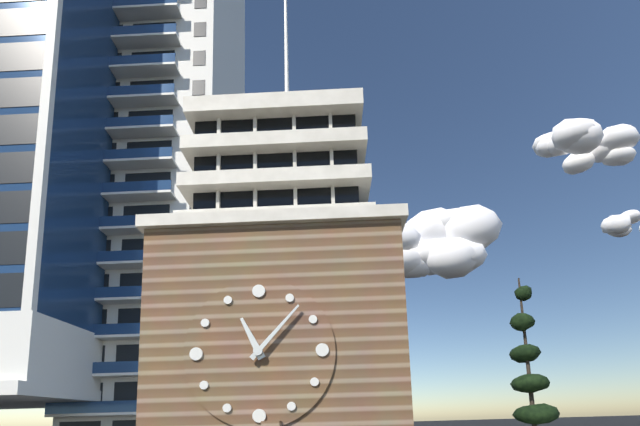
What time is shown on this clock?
11:07
